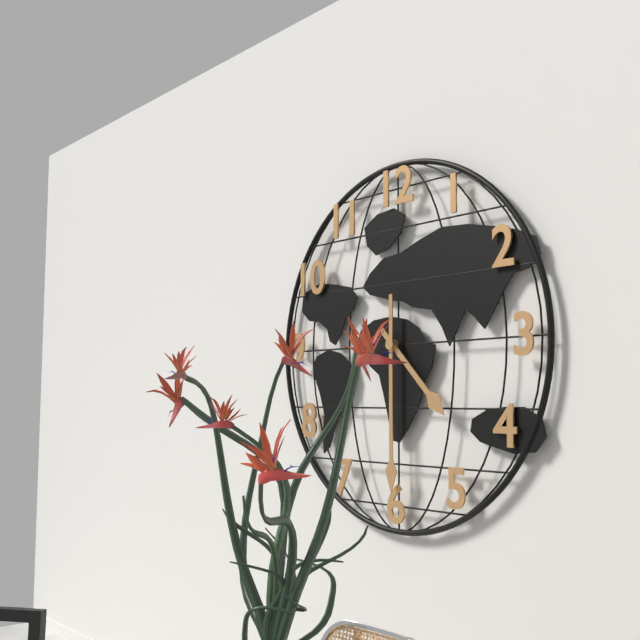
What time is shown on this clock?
4:30
